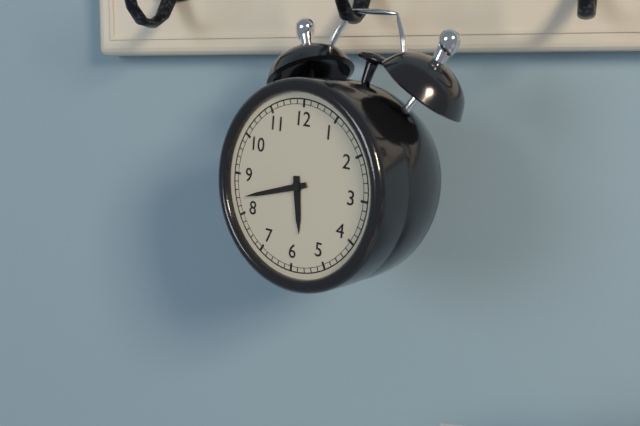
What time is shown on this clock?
5:42
